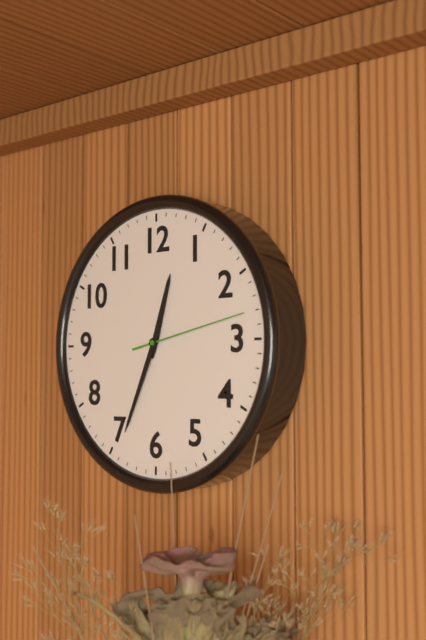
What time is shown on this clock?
12:34:13
